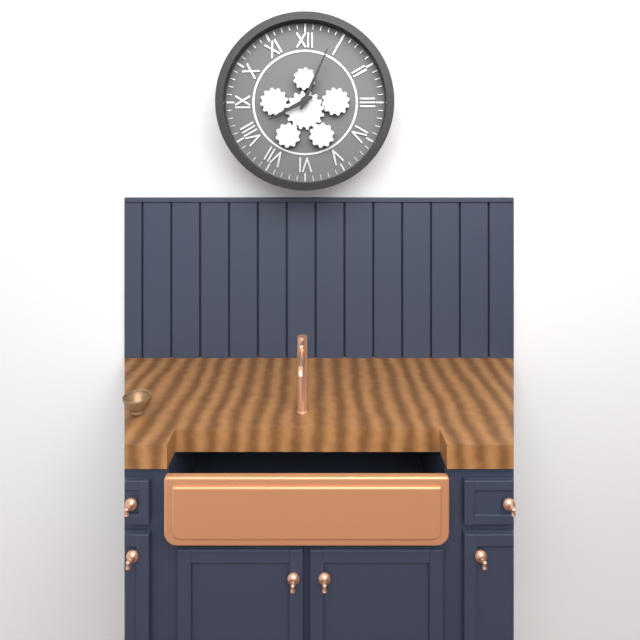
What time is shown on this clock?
8:04
